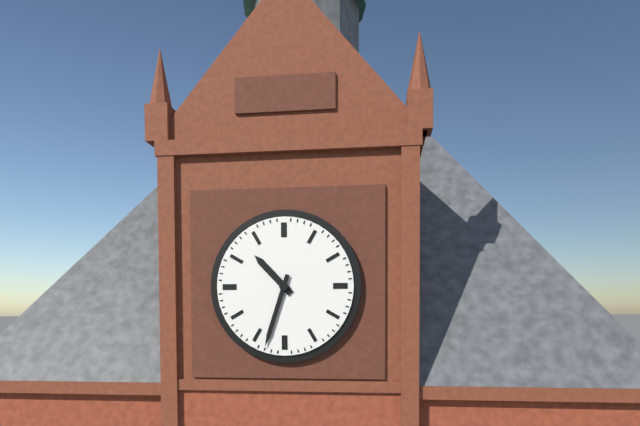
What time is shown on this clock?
10:33
